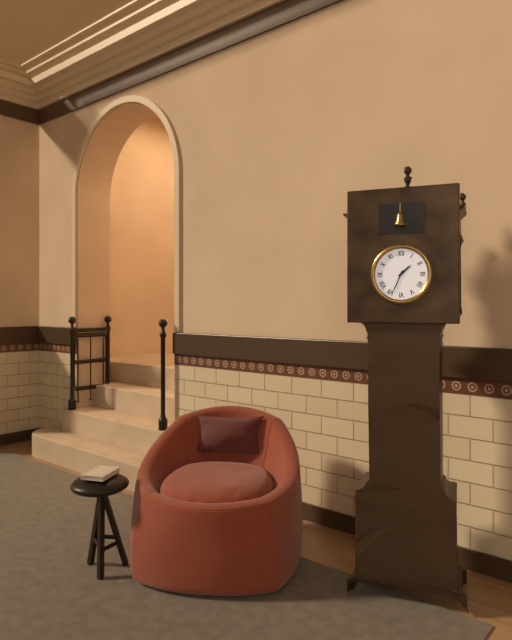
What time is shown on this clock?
1:34
